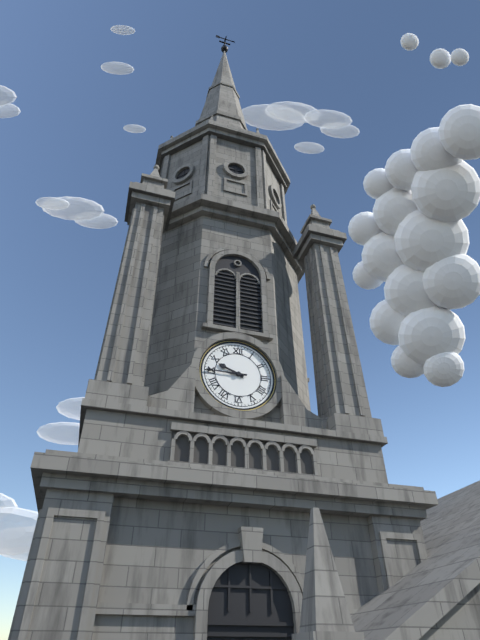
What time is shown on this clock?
9:45
